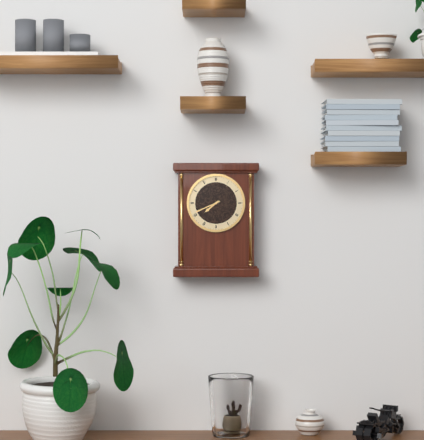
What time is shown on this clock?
7:41
